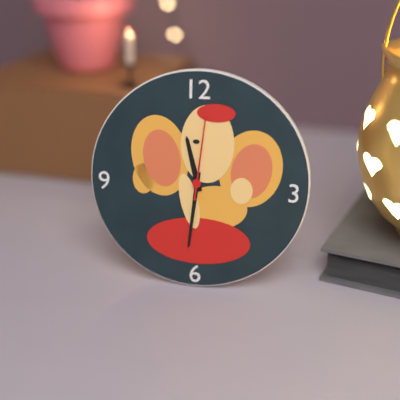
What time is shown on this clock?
11:31:01
